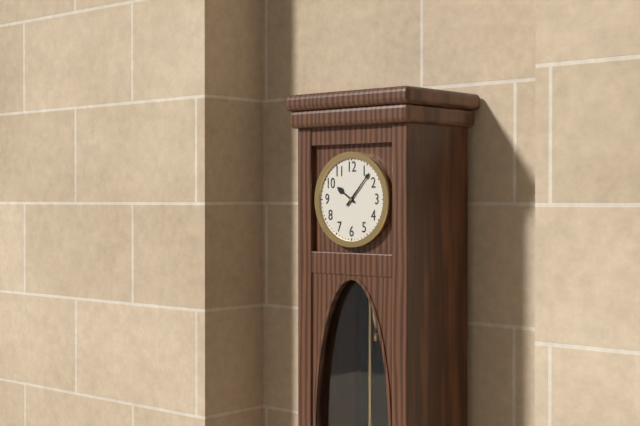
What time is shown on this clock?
10:07
